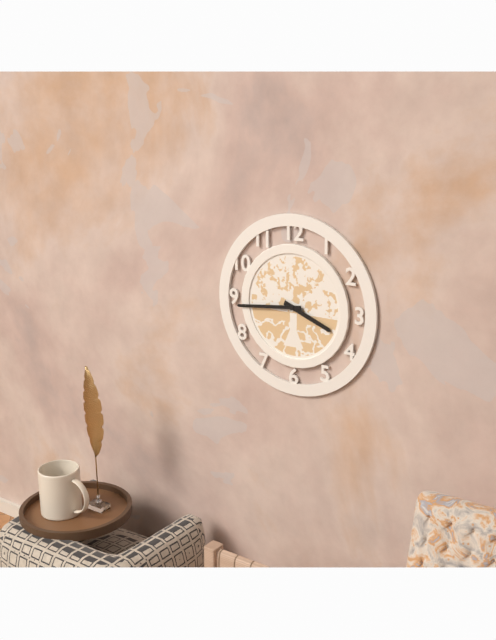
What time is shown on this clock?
3:44
